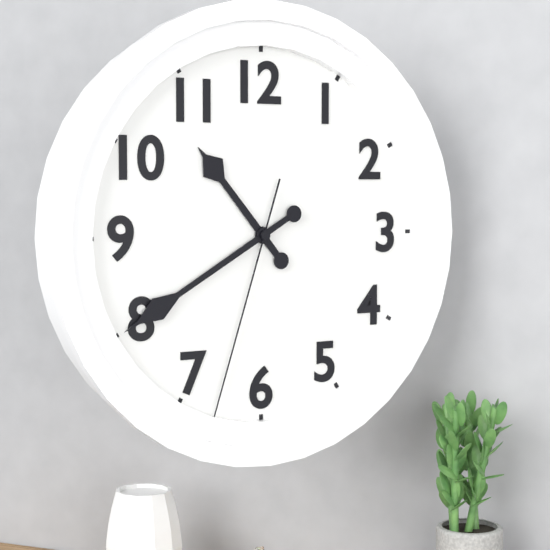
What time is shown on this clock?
10:40:33
